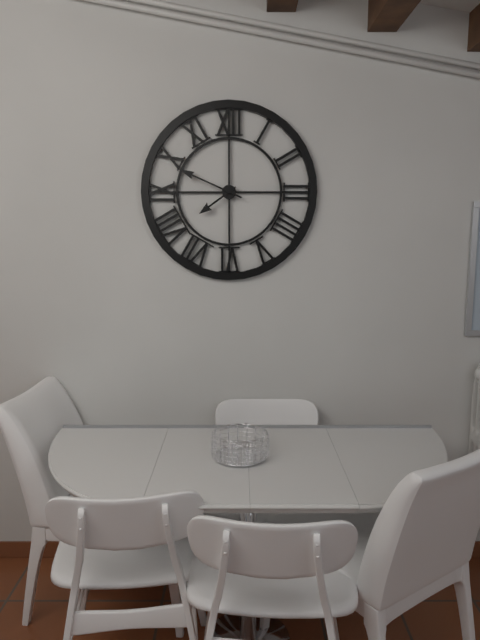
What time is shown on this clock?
7:49
